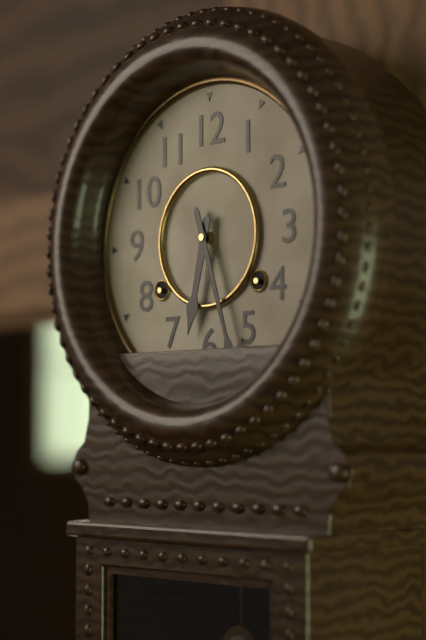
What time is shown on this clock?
6:27
